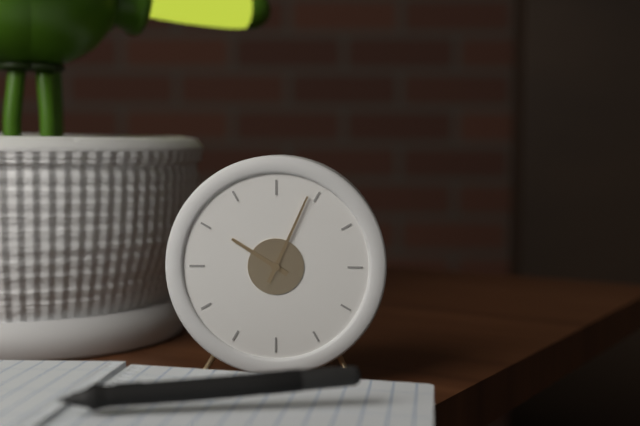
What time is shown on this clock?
10:04
